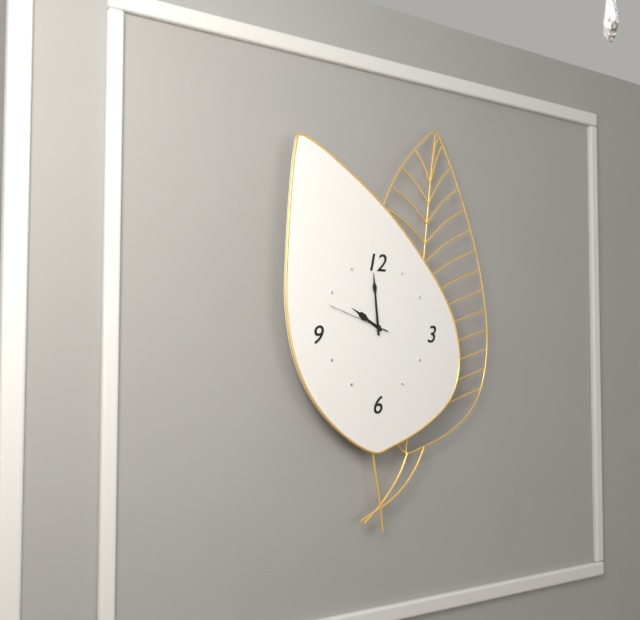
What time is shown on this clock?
9:59:48
